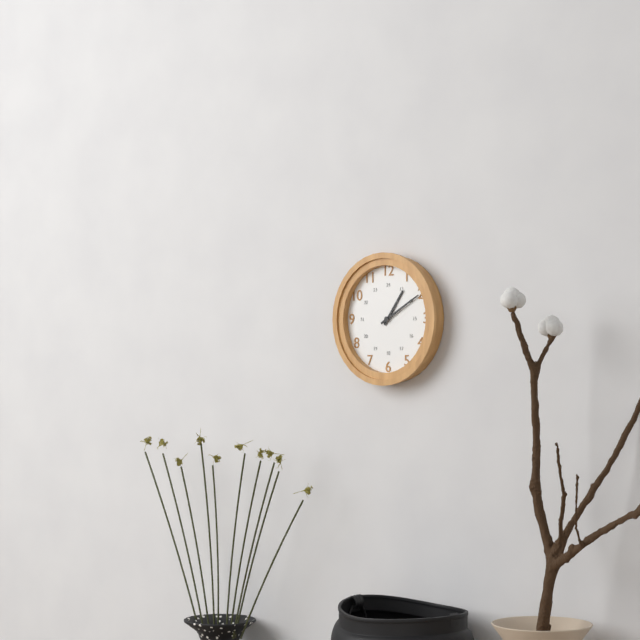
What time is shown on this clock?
1:10
